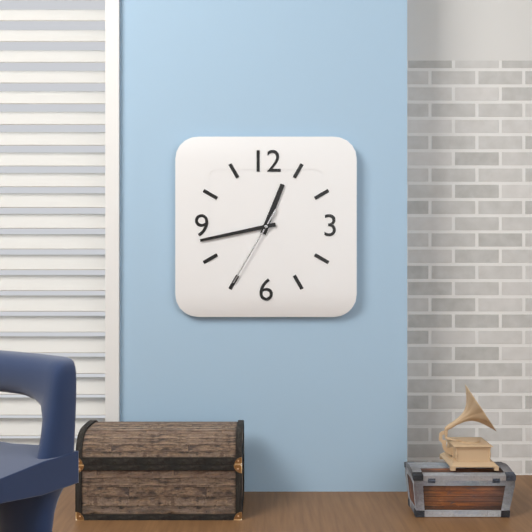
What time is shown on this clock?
12:43:35
